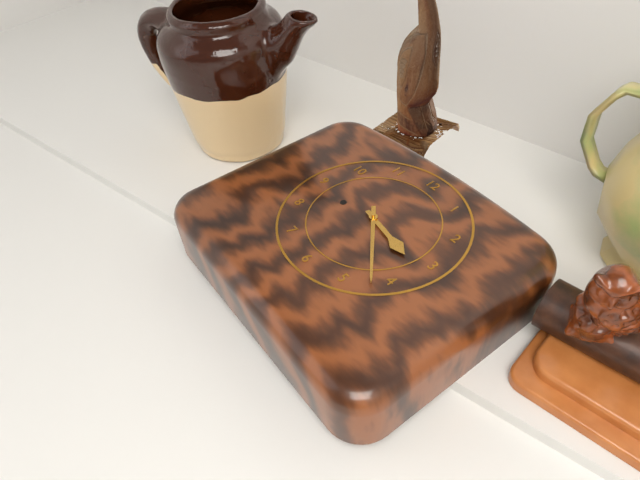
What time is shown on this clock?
3:22
